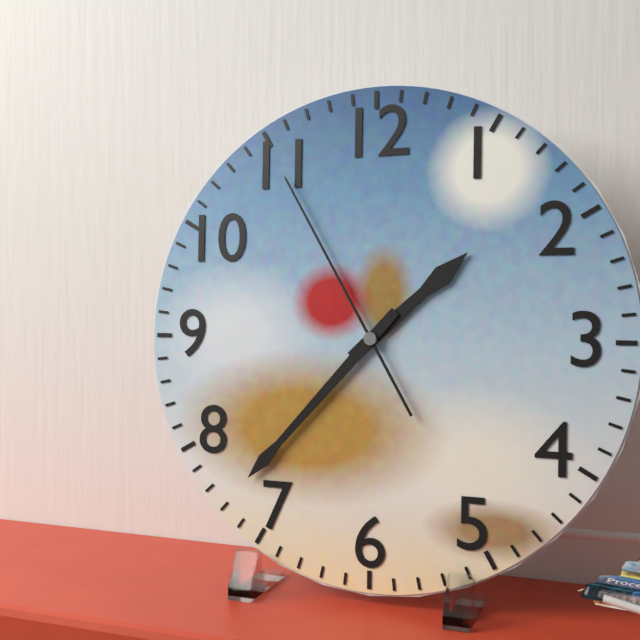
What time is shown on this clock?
1:37:55
